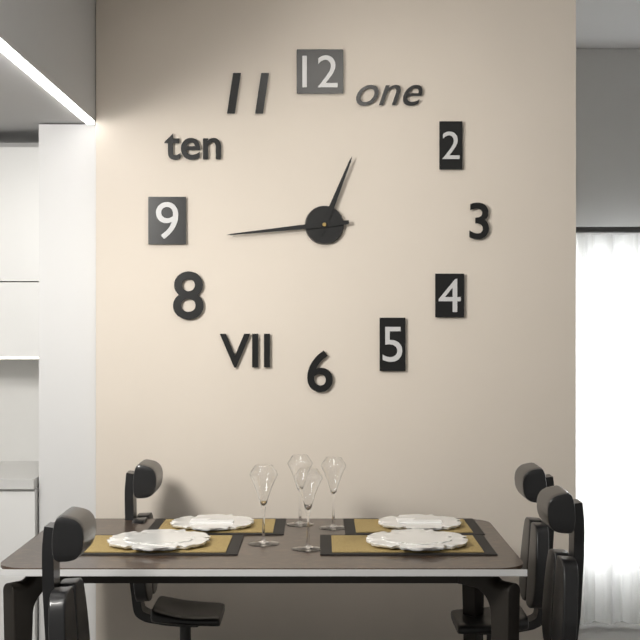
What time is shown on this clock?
12:44
